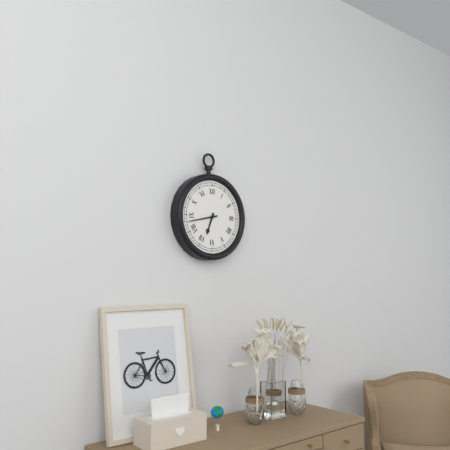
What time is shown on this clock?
6:43
